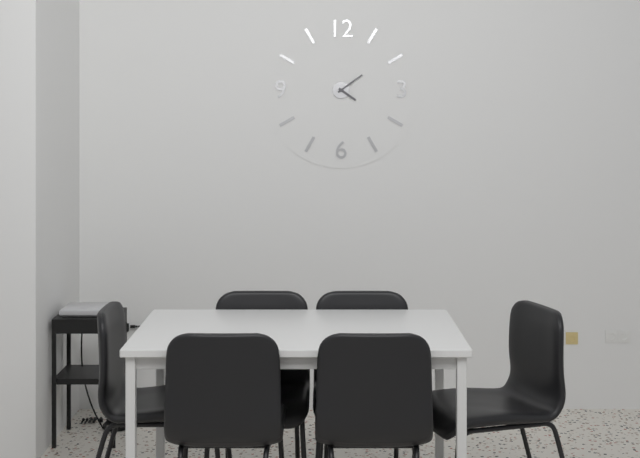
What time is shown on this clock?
4:09
